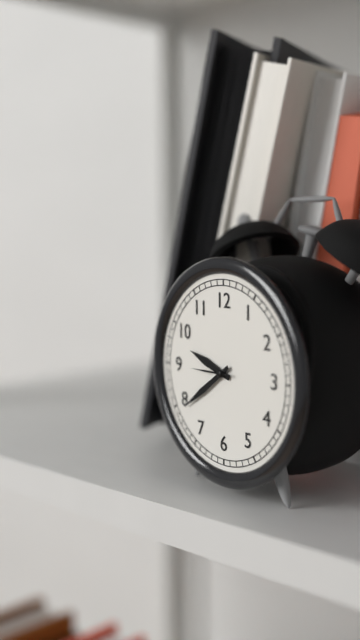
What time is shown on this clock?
9:39
